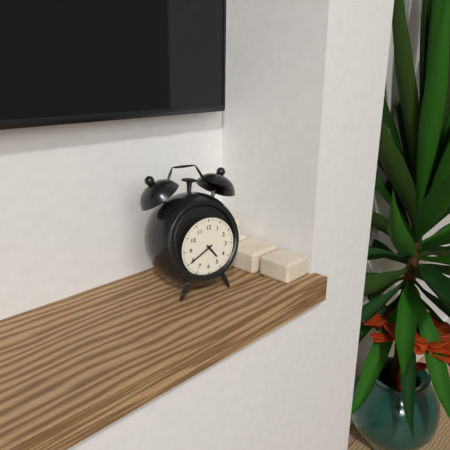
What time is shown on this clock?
4:40
